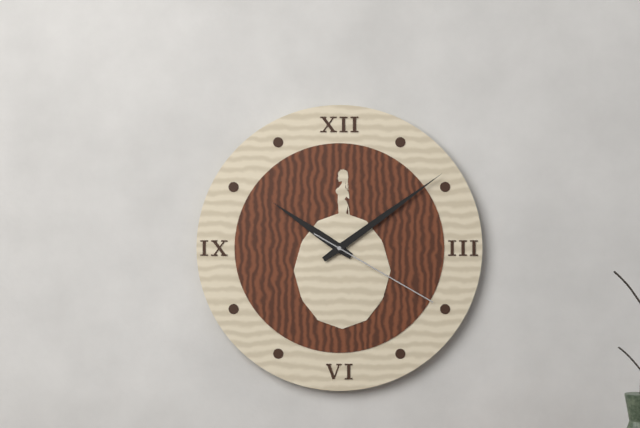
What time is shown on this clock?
10:09:20
